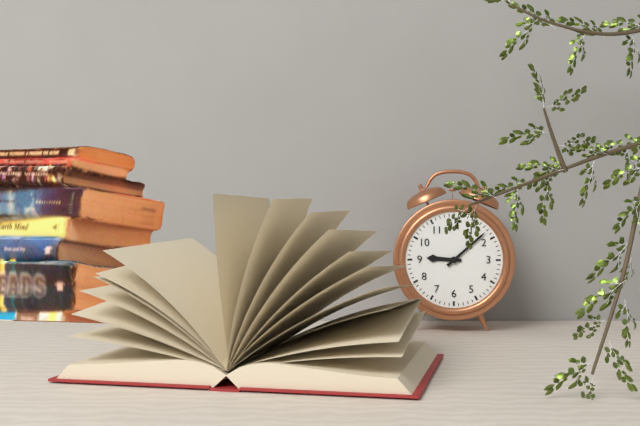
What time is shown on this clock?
9:08
